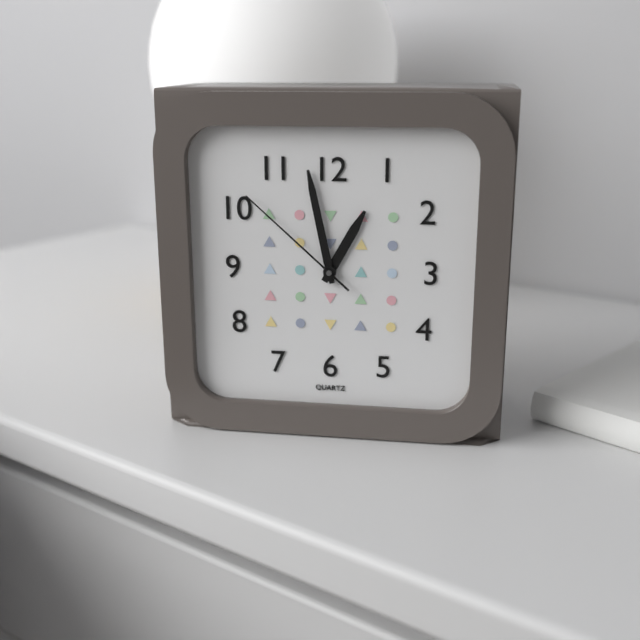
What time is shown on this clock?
12:58:52
